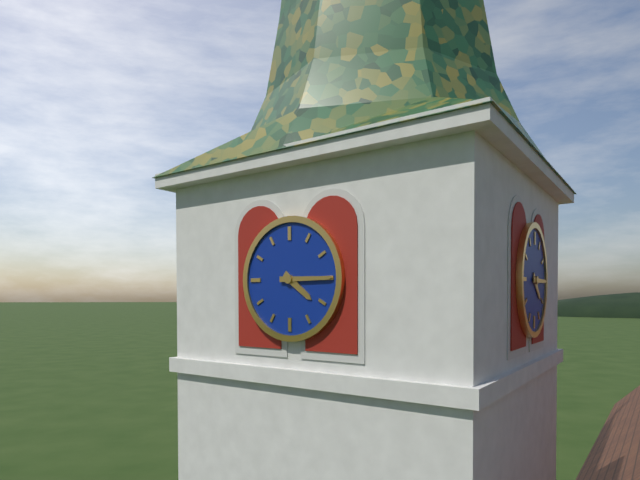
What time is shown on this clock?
4:15
